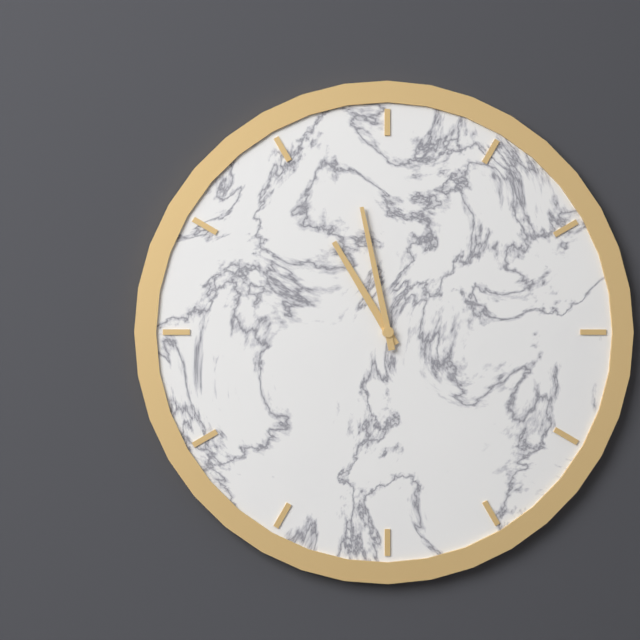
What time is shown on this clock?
10:58
